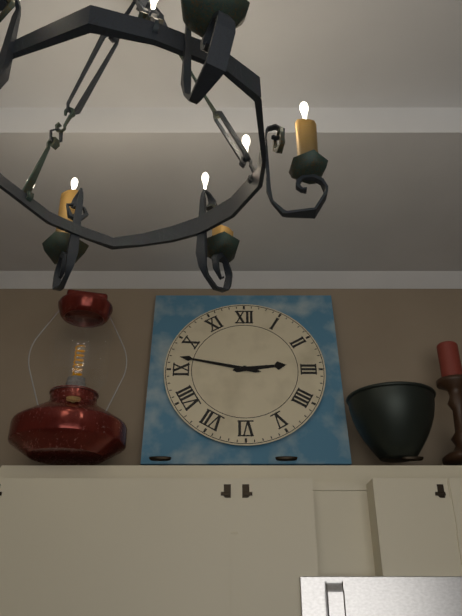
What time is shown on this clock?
2:47
